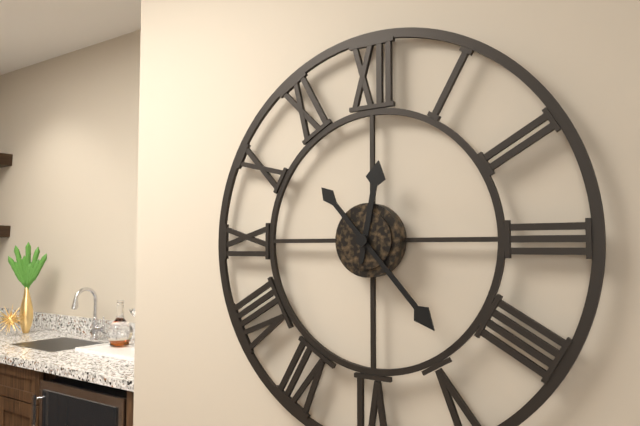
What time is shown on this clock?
12:23
